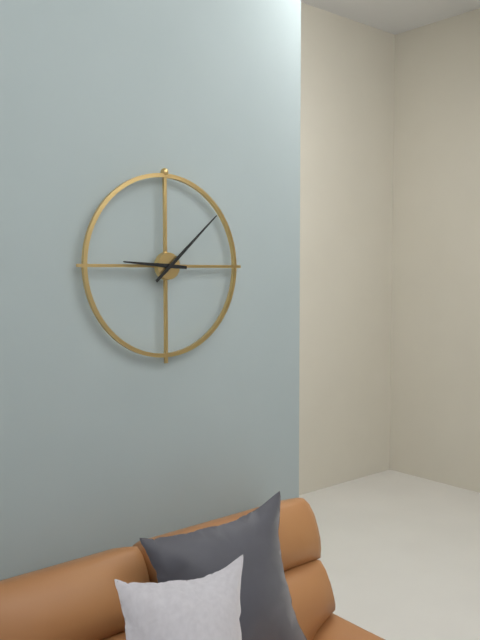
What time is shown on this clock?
9:08
